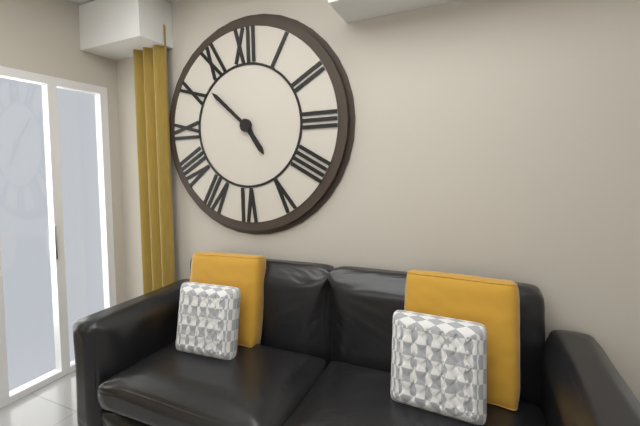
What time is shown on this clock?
4:52
